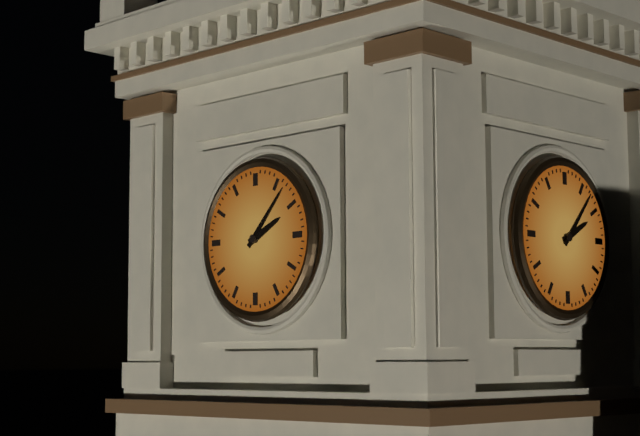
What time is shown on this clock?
2:07
